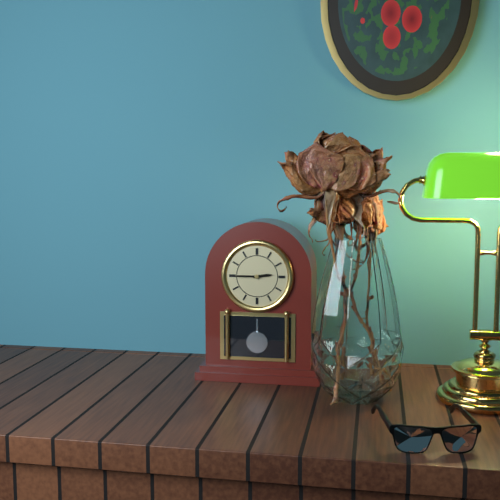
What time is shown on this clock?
2:45
